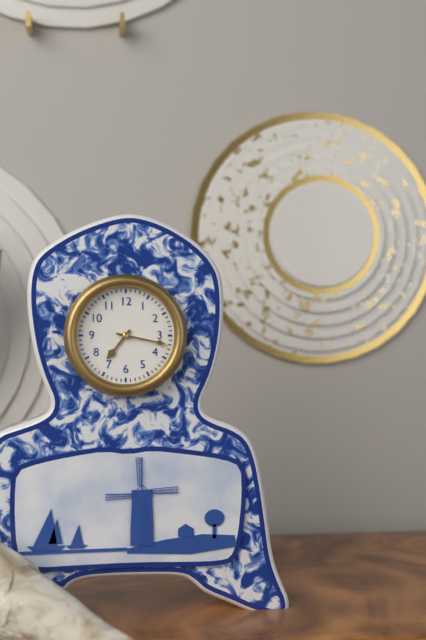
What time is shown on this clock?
7:17
